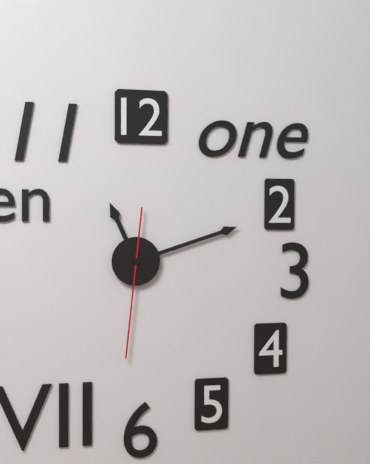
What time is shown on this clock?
11:12:31
